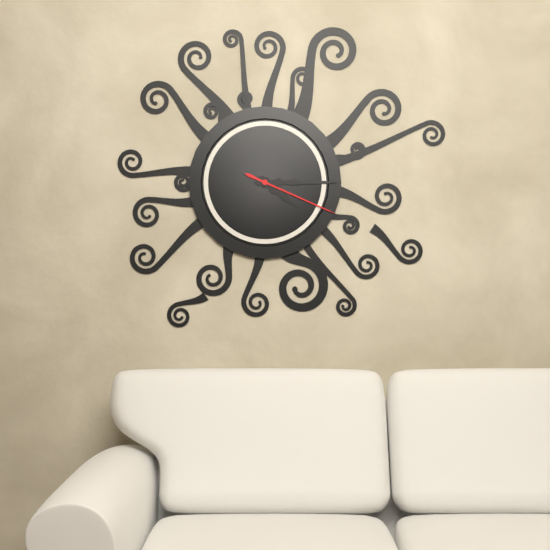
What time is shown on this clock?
4:15:19
